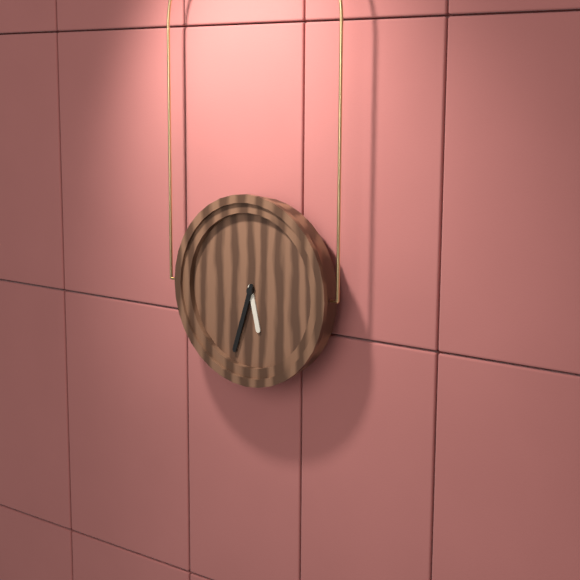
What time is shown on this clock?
5:33
